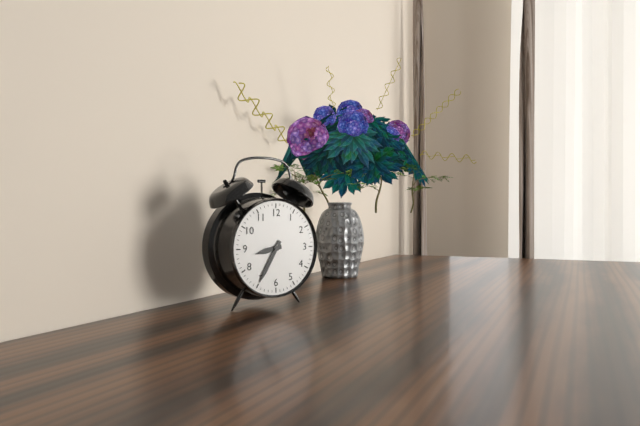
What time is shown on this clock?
8:35
